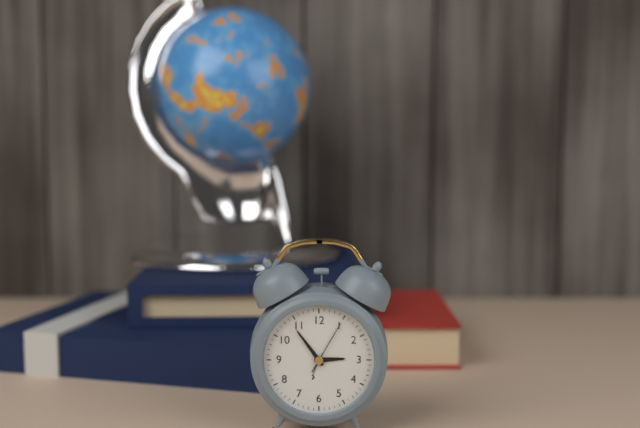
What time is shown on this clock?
2:54:05
